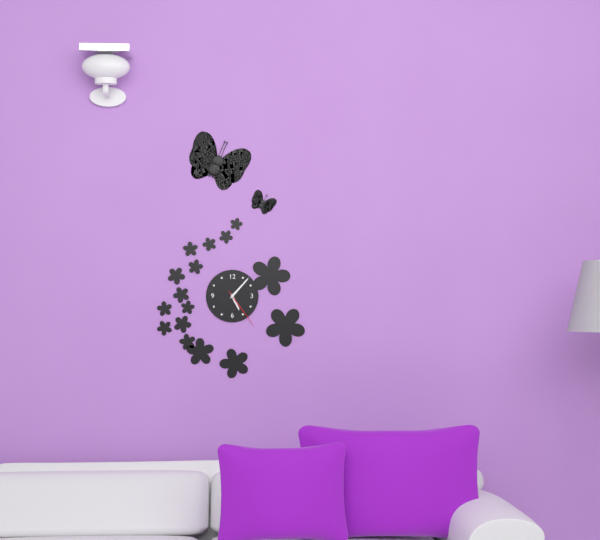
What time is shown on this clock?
5:07
